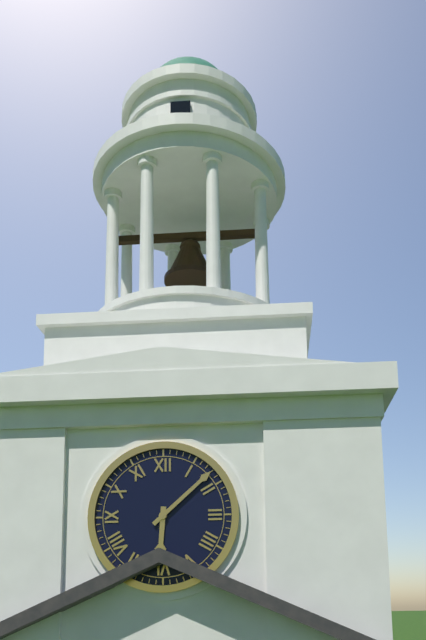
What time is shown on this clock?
6:08
